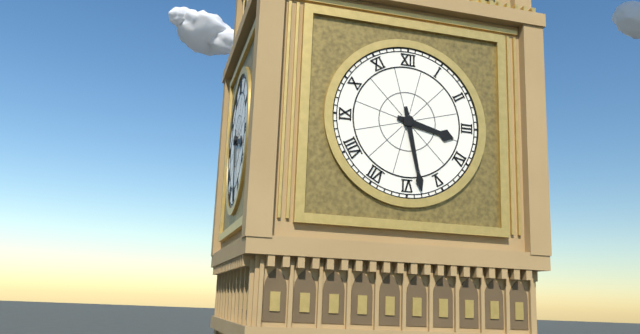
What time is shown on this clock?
3:28
